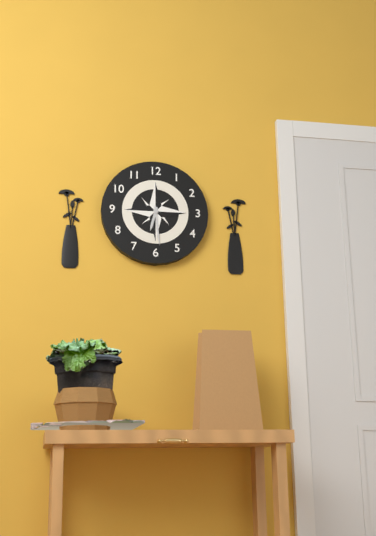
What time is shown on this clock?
6:29
